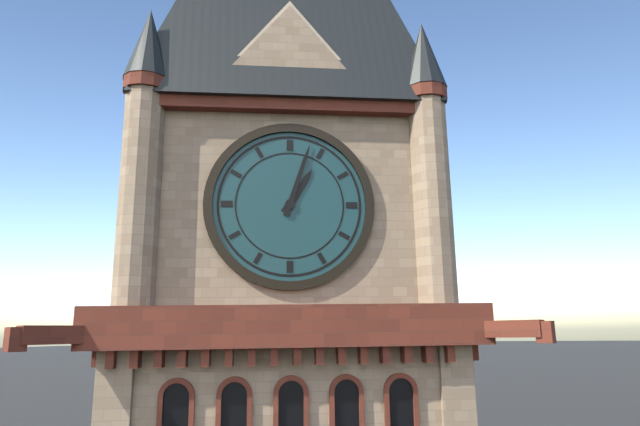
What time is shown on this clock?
1:03
